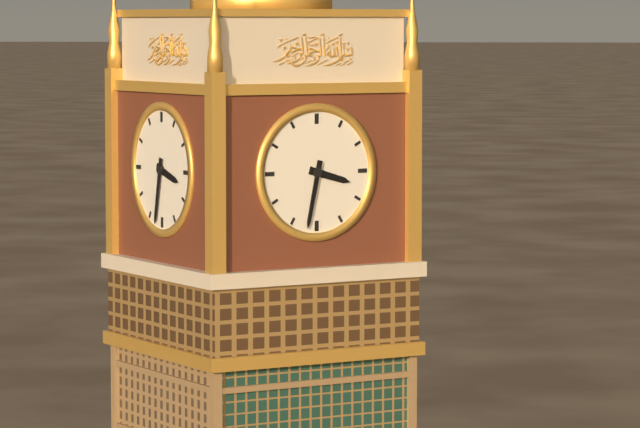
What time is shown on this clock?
3:32
